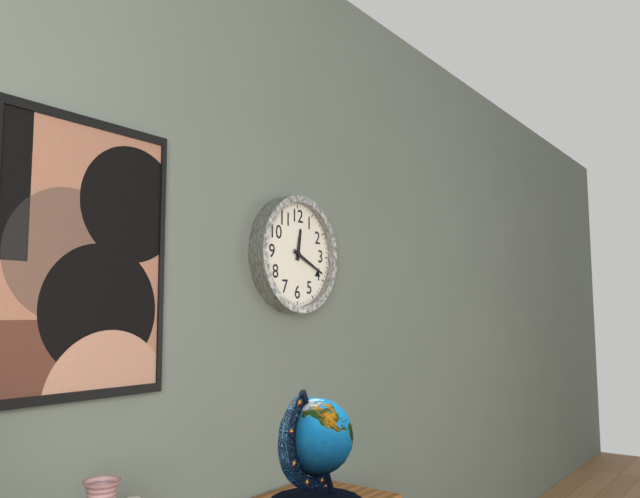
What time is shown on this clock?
12:19
